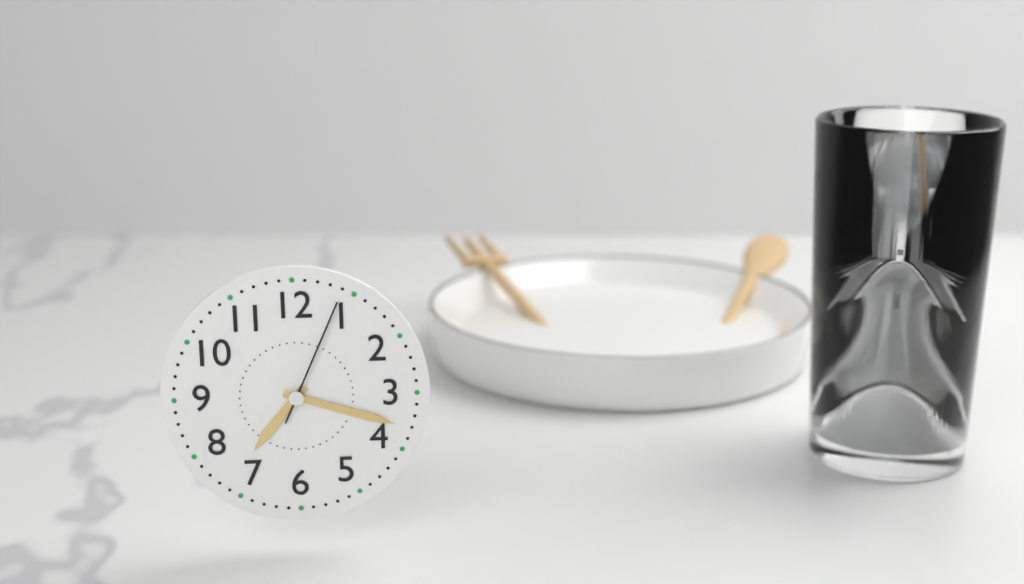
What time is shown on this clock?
7:18:04
